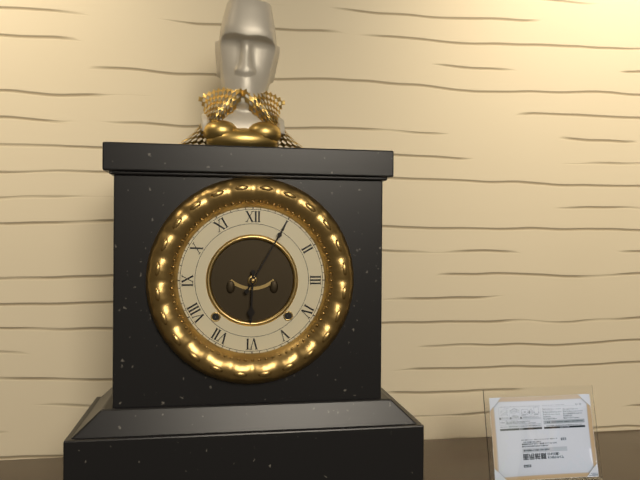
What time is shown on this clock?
6:05
